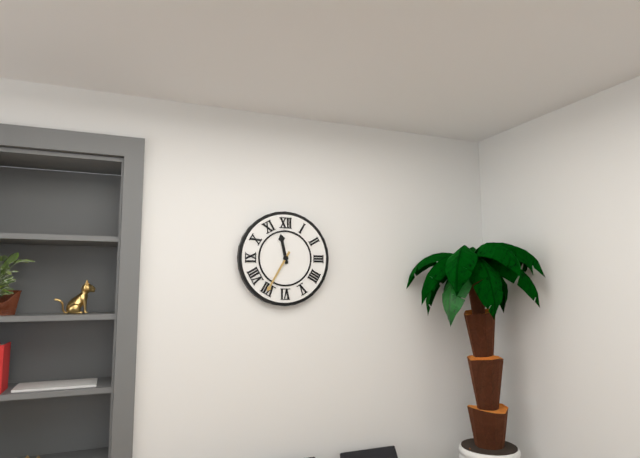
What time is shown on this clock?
11:35
